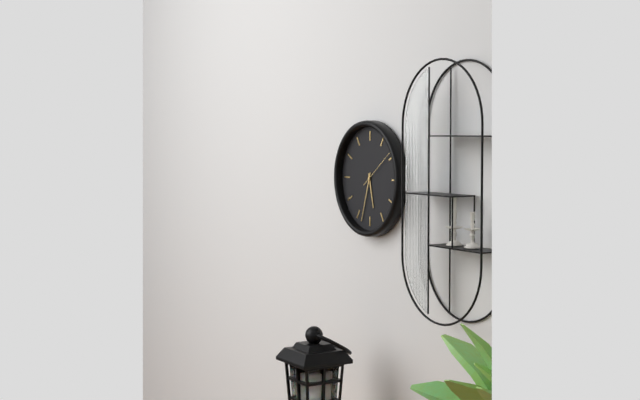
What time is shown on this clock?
5:33
